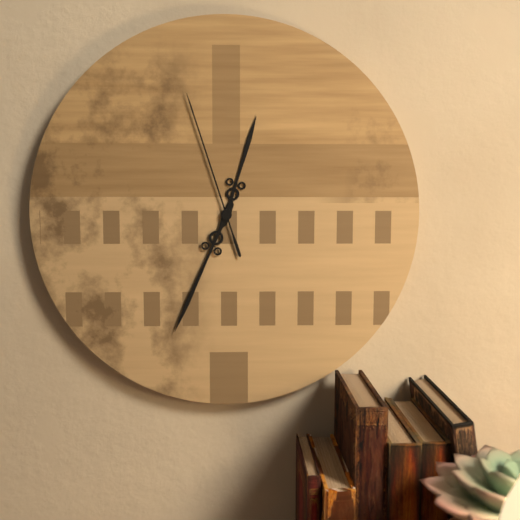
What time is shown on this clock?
12:34:57
